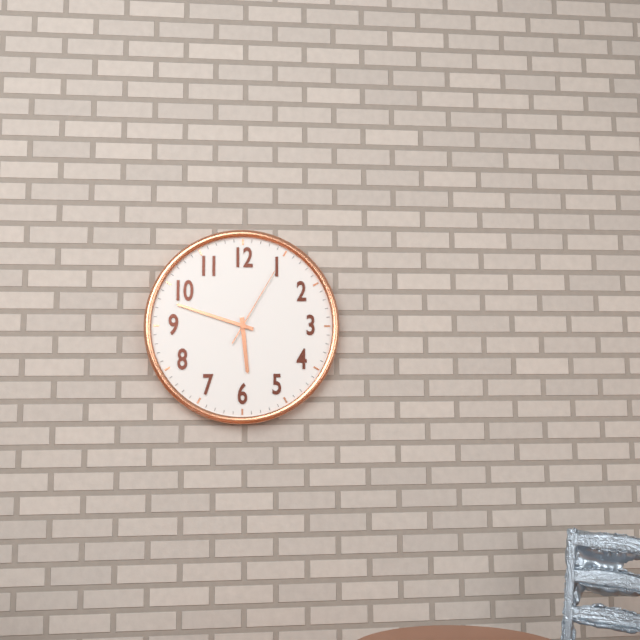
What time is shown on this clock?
5:48:05
